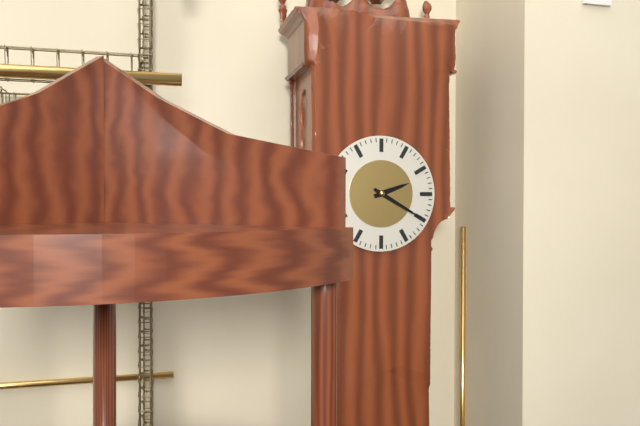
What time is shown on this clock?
2:20
